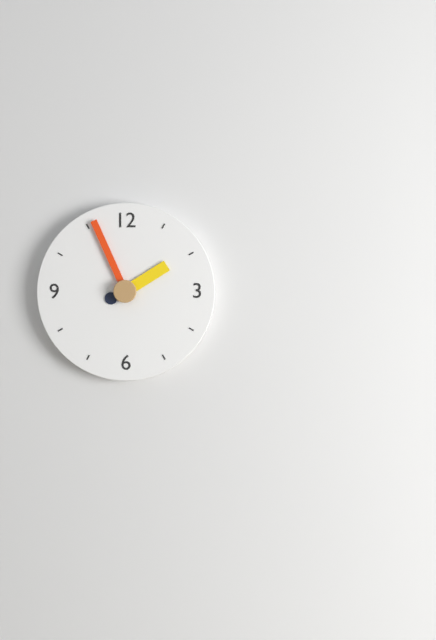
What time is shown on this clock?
1:56
